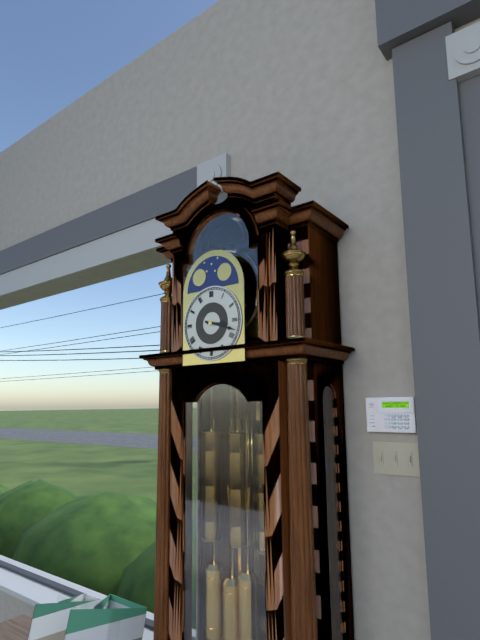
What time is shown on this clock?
3:18
